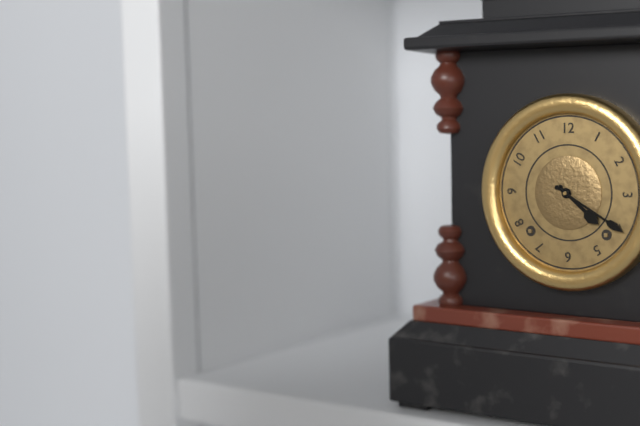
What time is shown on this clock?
4:20
